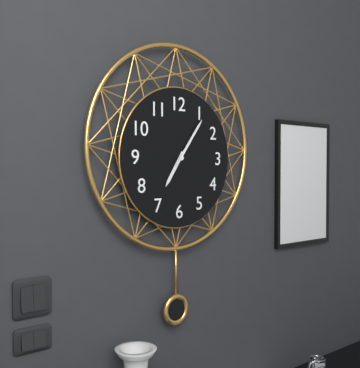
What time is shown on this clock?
7:06
